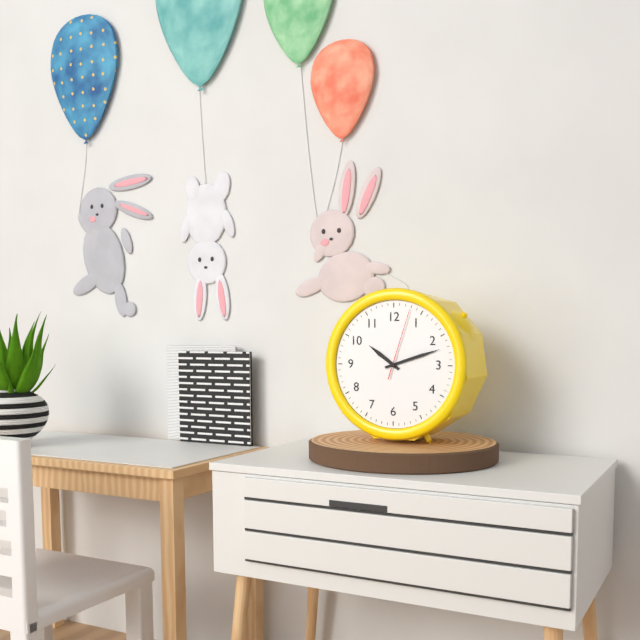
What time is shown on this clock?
10:12:03
